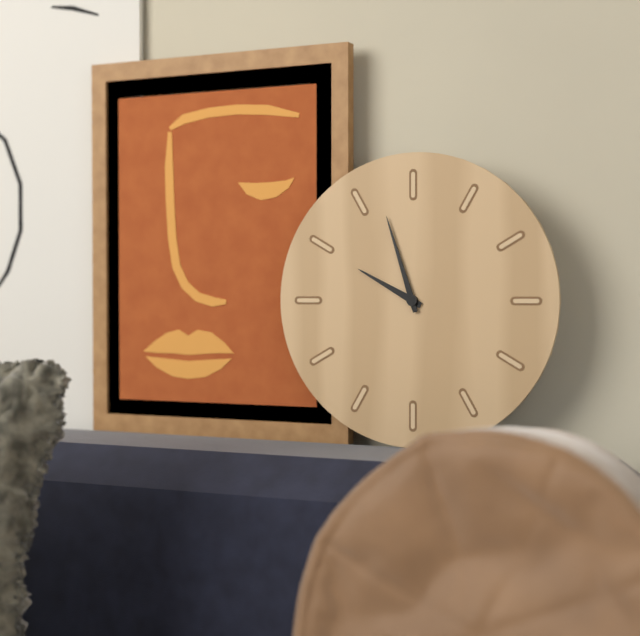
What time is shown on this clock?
9:57
